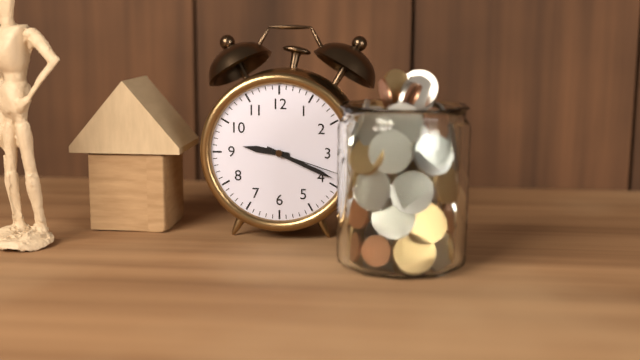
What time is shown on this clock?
9:19:18
